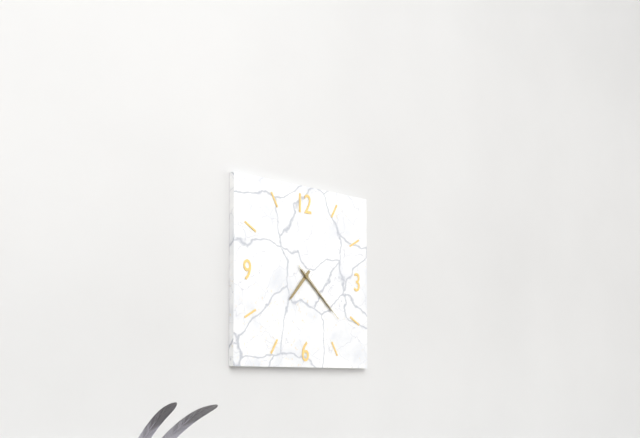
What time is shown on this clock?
7:22:22
